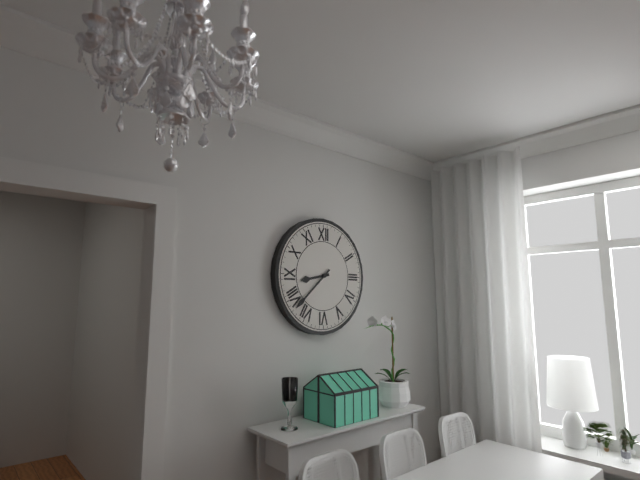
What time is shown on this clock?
8:38
